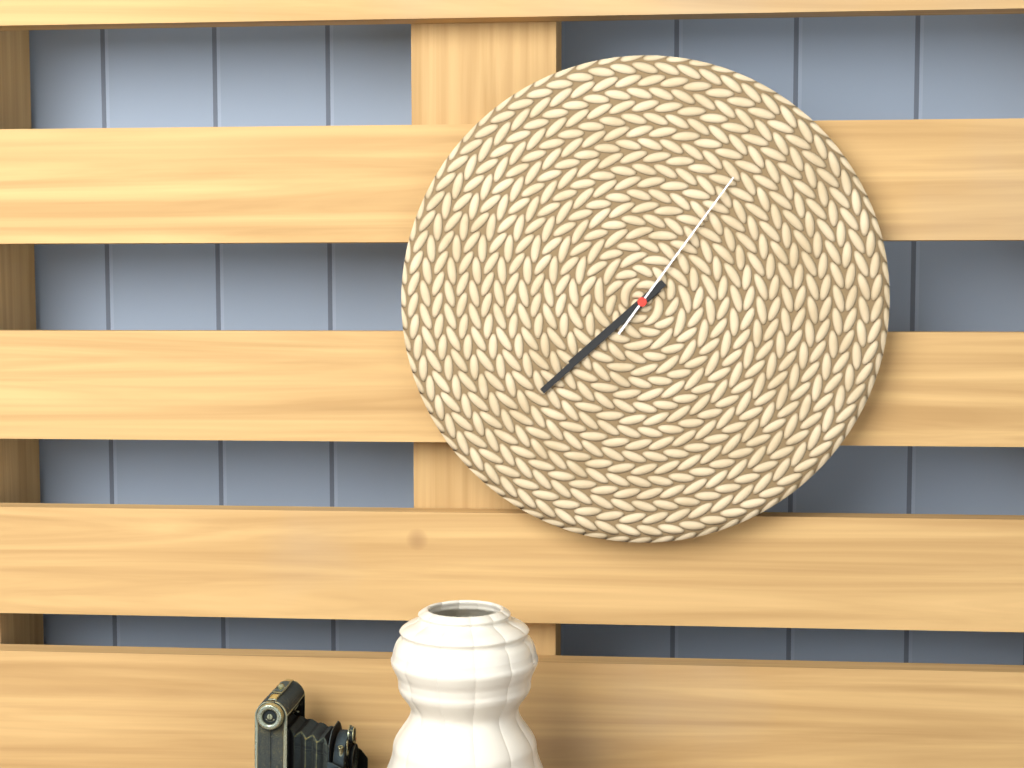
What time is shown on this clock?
7:38:06
